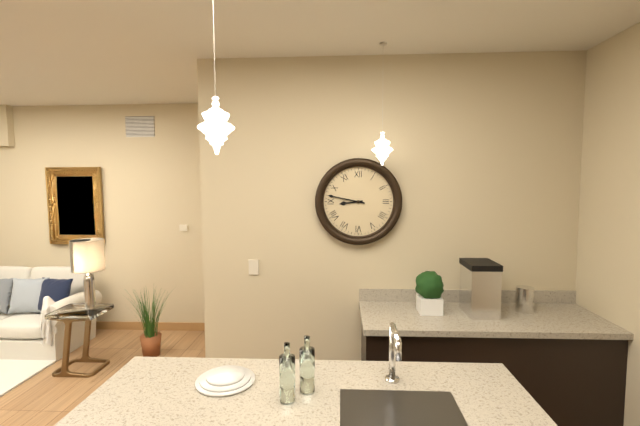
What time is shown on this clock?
8:47
